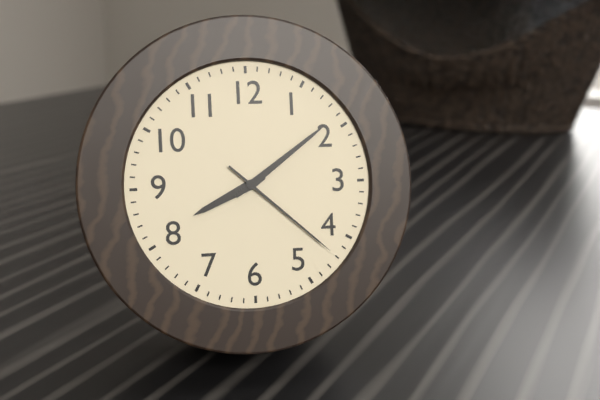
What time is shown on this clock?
8:09:22
